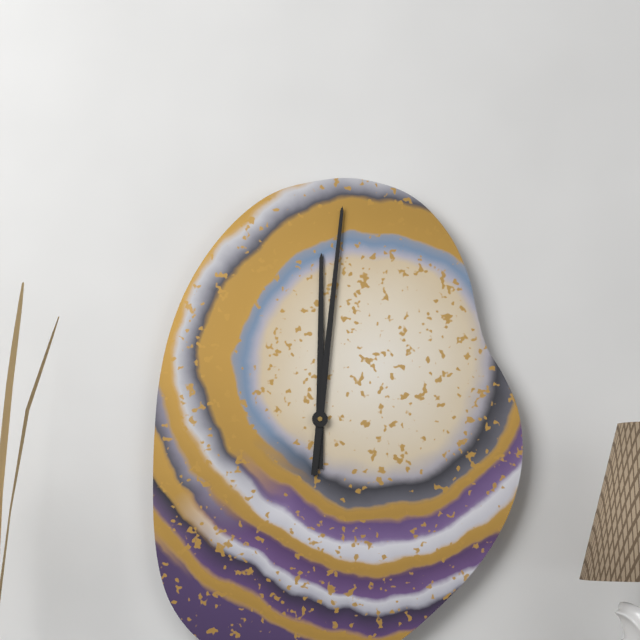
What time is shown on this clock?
12:01
